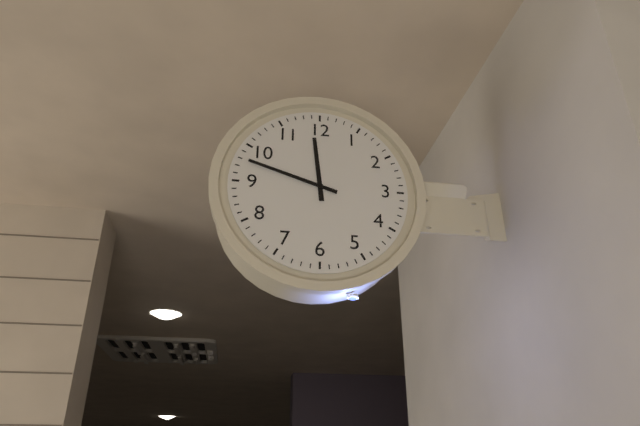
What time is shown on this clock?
11:48
